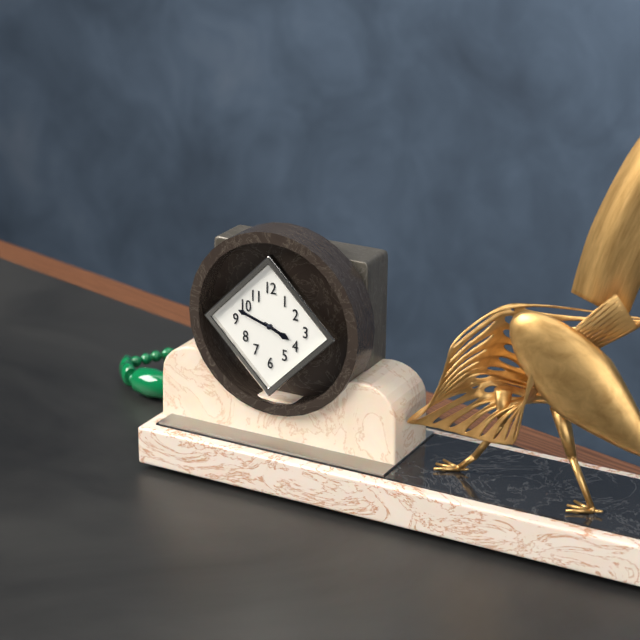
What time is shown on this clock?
3:48
